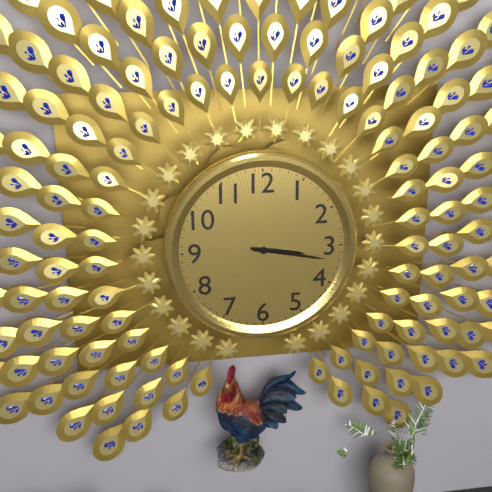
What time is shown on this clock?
3:17
